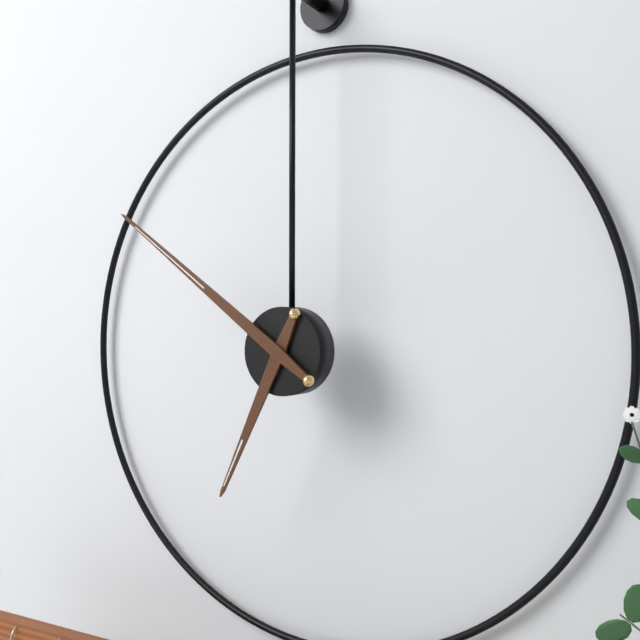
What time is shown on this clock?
6:51
